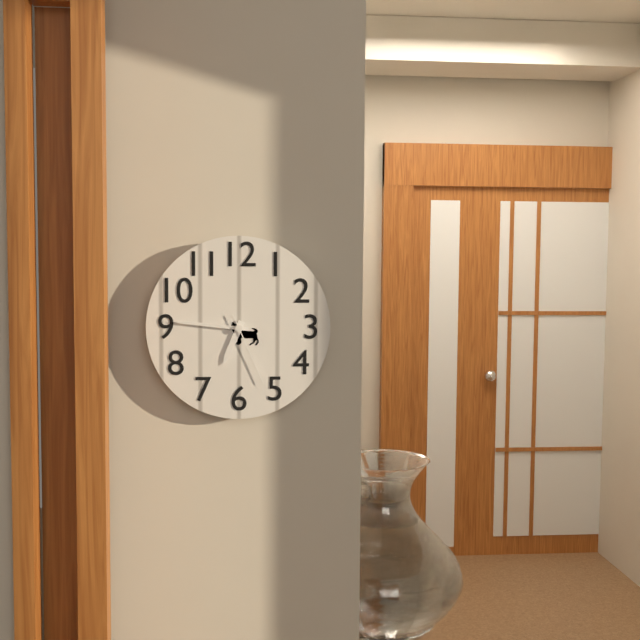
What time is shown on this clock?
6:46:26
